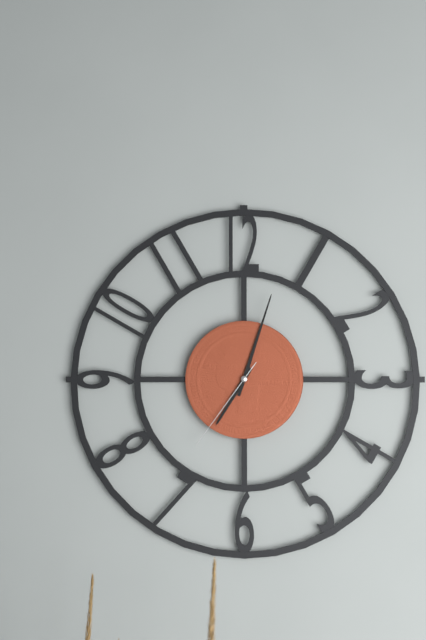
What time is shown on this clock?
7:03:36
